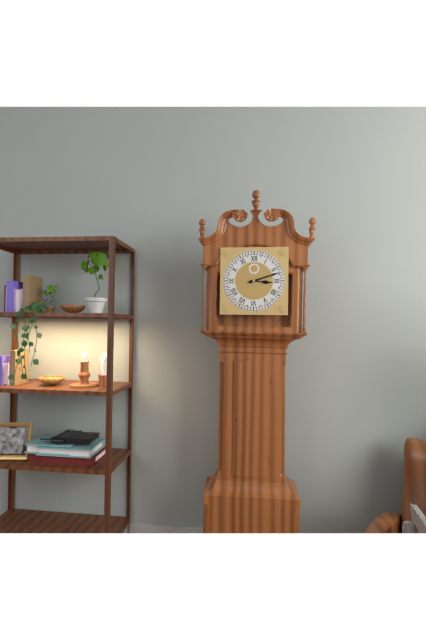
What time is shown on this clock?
3:12
